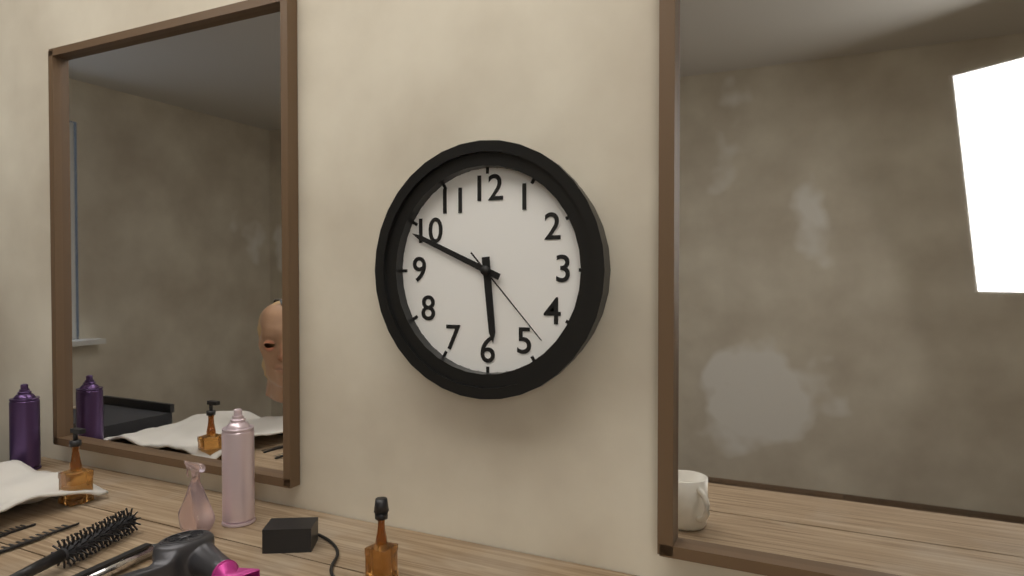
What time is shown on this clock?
5:49:23
